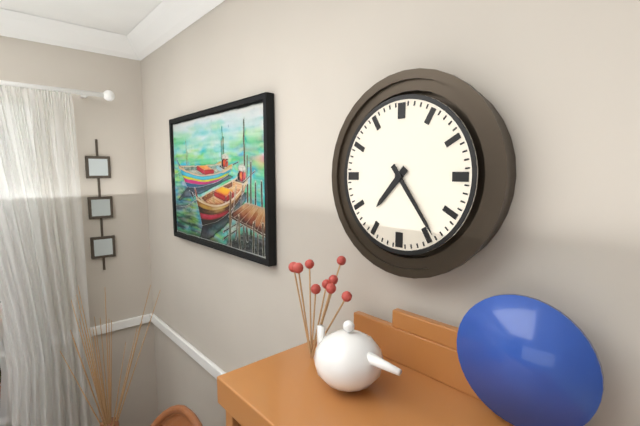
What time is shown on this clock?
7:24
